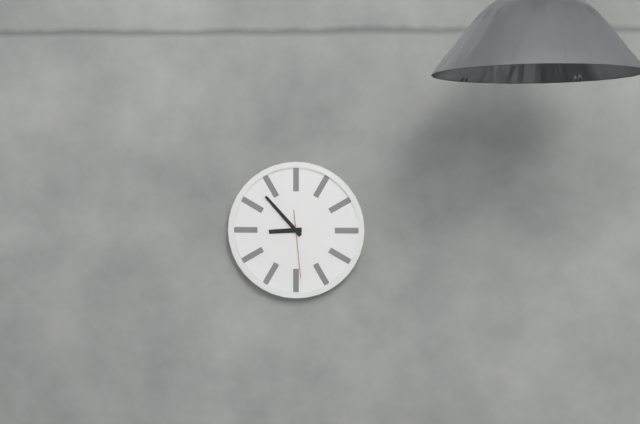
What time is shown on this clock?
8:53:29
